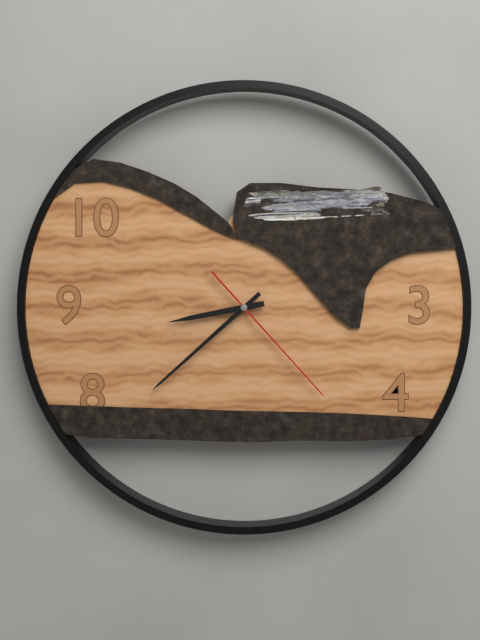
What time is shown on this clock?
8:38:23
